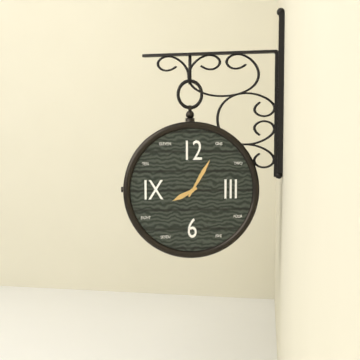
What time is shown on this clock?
8:05
